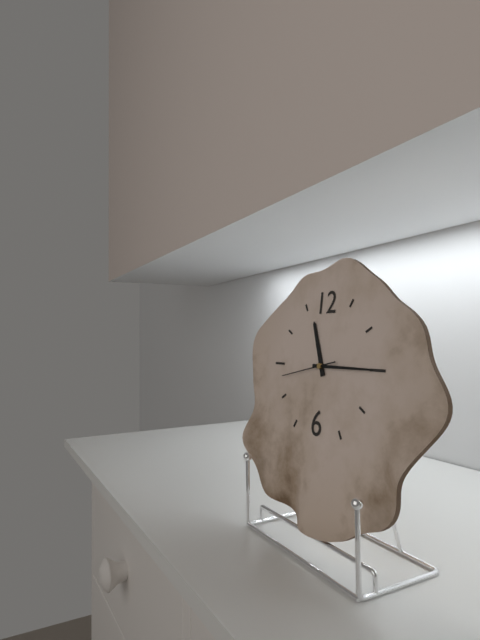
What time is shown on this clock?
11:15:43
